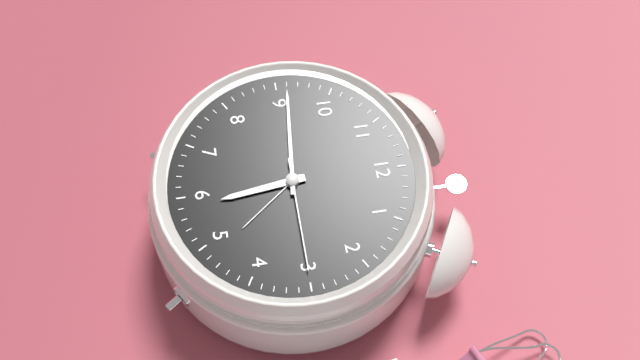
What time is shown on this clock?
5:46:15
